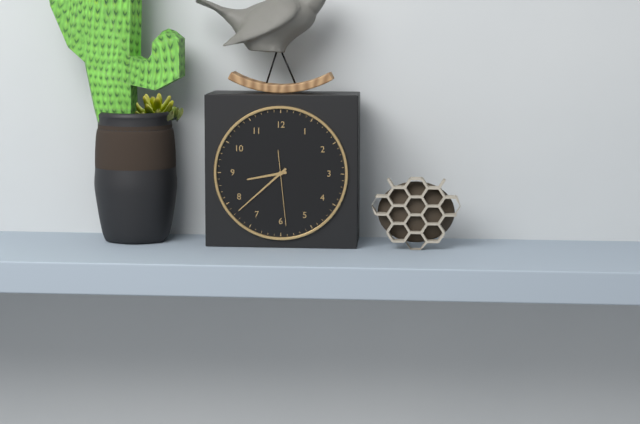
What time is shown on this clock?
8:38:29
